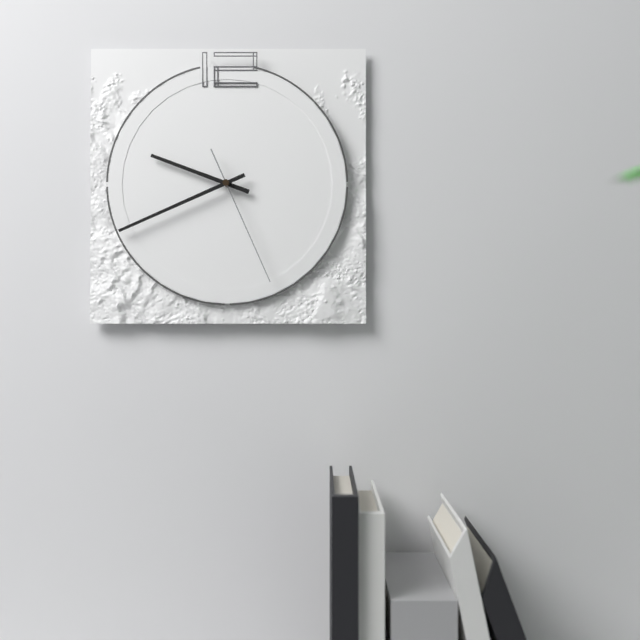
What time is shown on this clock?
9:41:26
